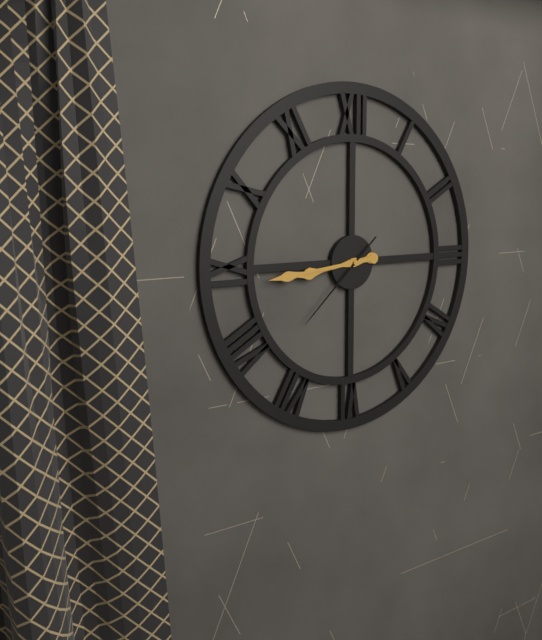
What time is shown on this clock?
8:44:38
